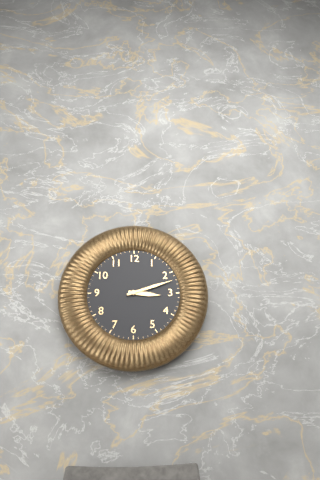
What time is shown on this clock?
3:12
